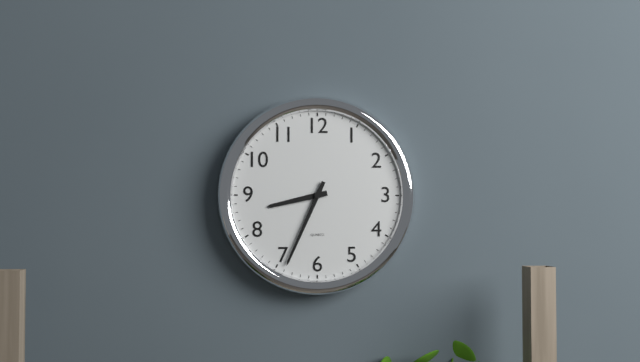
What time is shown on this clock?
8:34
